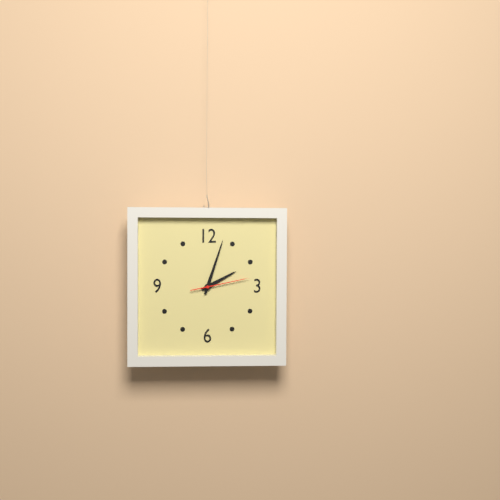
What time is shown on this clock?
2:03:13
